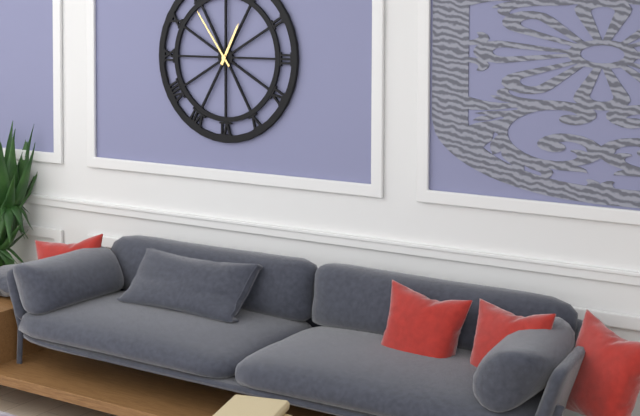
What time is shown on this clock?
12:54
